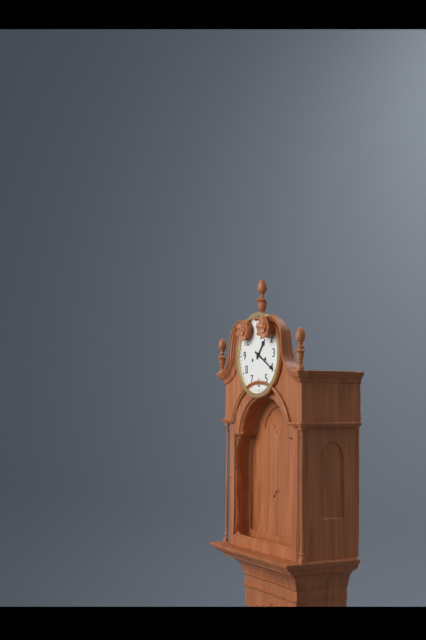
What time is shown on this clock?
1:20
